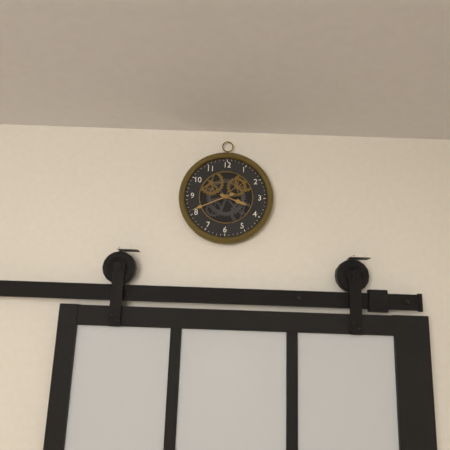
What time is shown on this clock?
3:41
